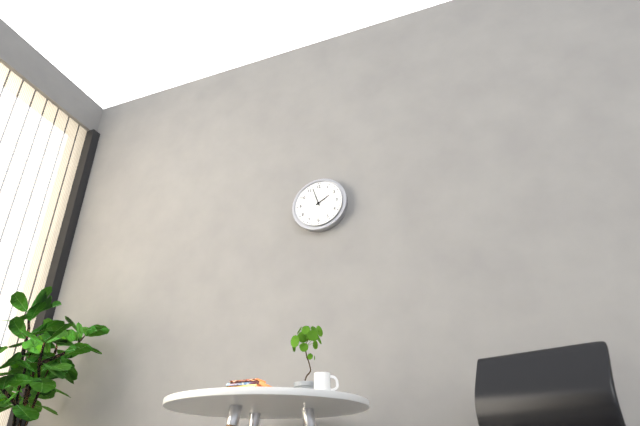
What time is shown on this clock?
1:57
